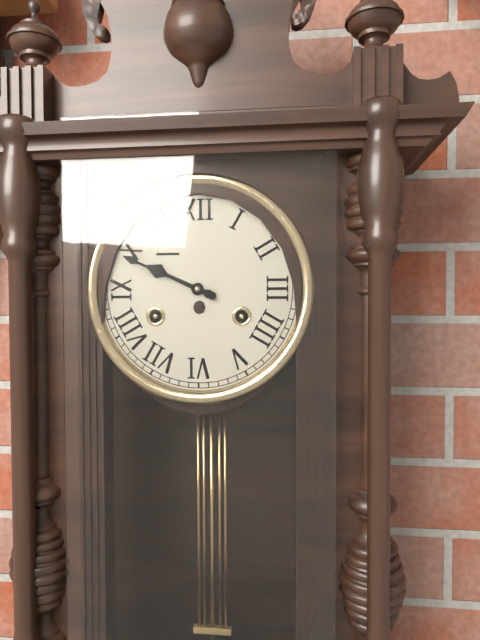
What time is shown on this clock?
9:49
